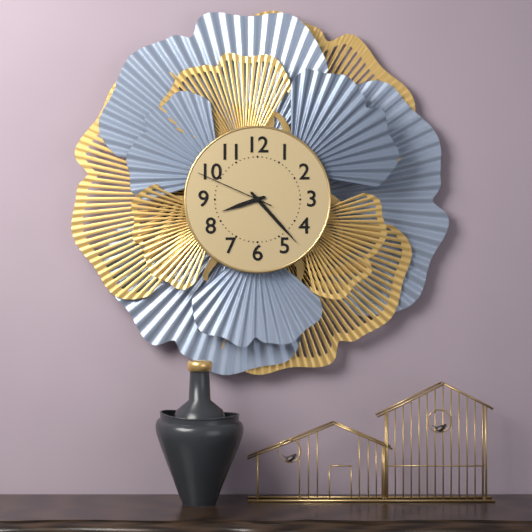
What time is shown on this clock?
8:23:49
